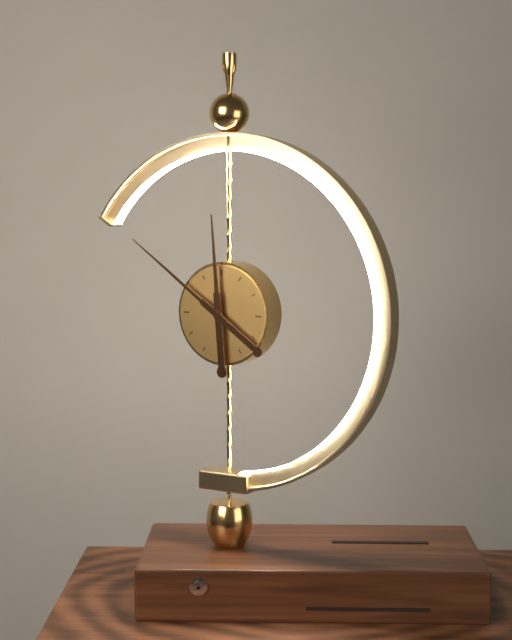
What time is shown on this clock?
11:51
